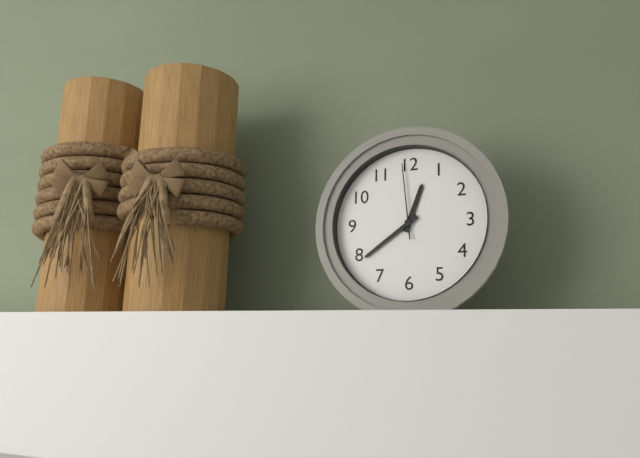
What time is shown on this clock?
12:39:59
